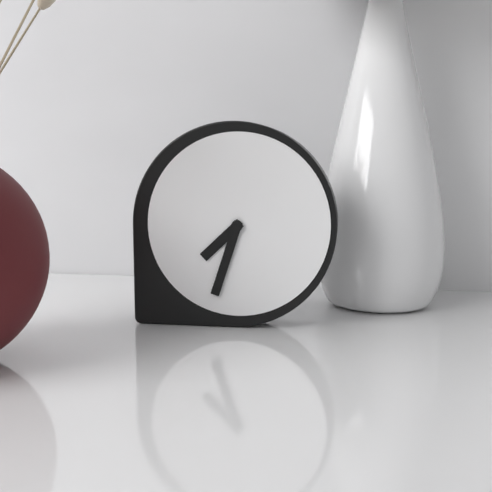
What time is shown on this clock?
7:33
